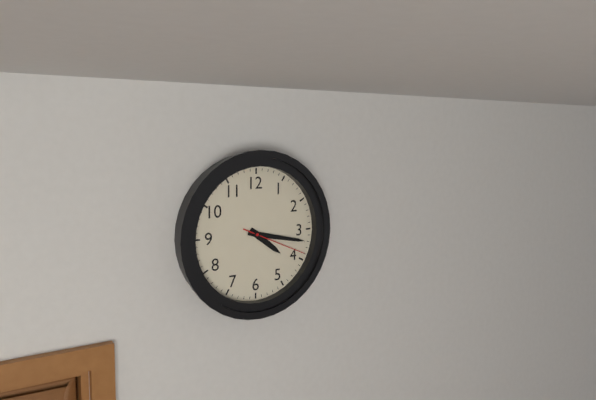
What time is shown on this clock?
4:17:19
